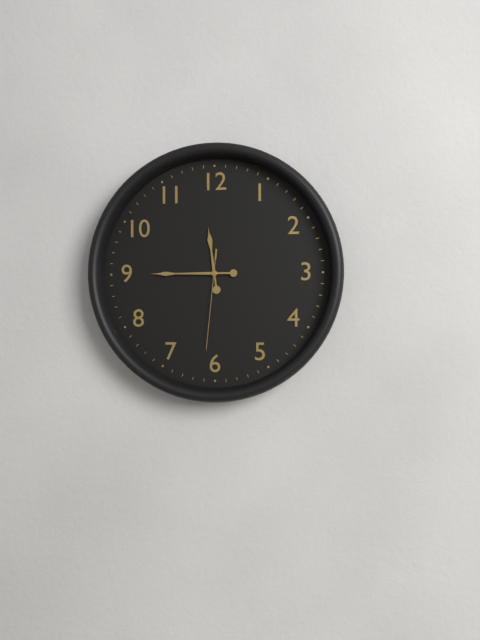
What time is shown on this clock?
11:45:31
